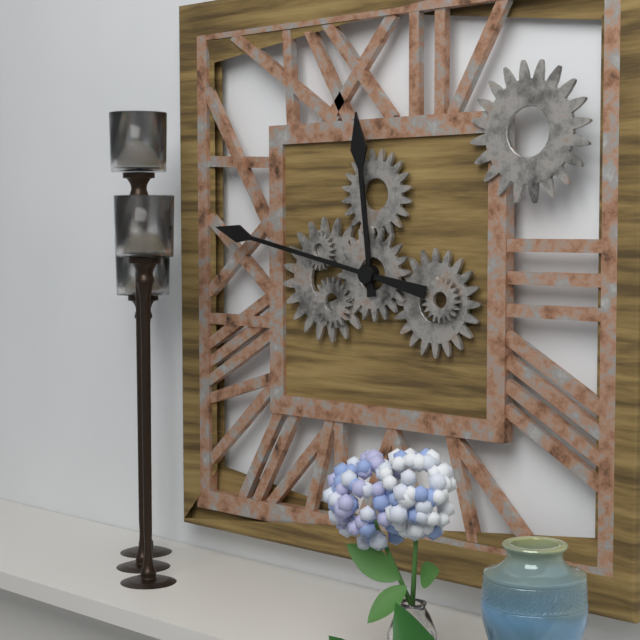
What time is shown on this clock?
11:47
